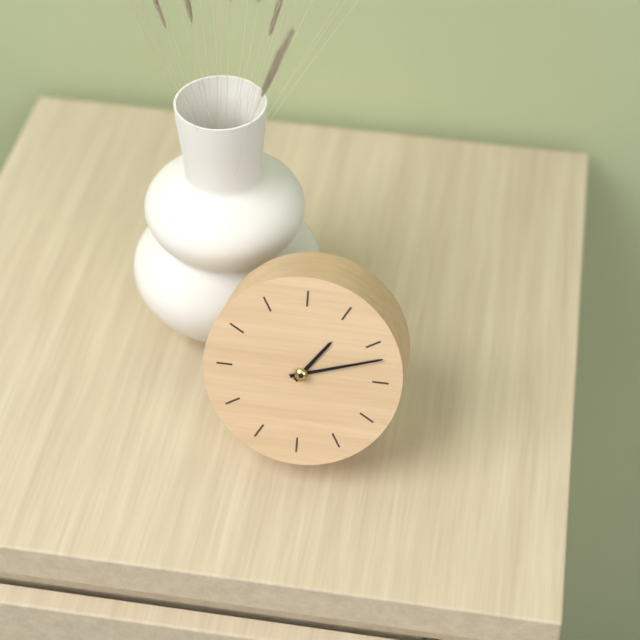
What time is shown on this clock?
1:12
